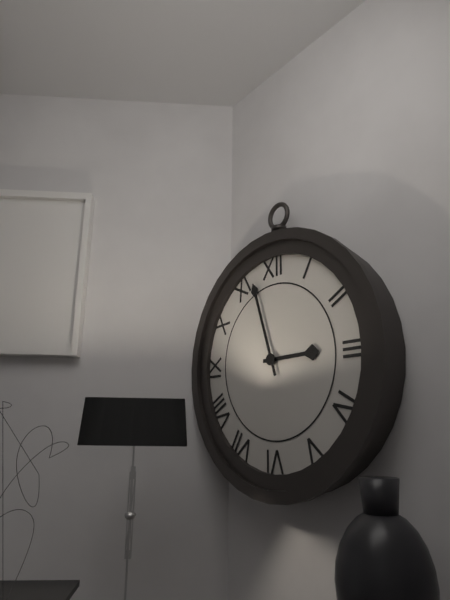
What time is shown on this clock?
2:57
